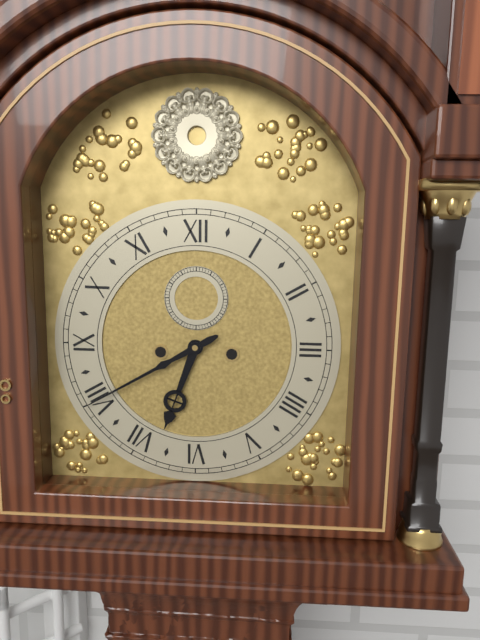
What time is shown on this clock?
6:40
